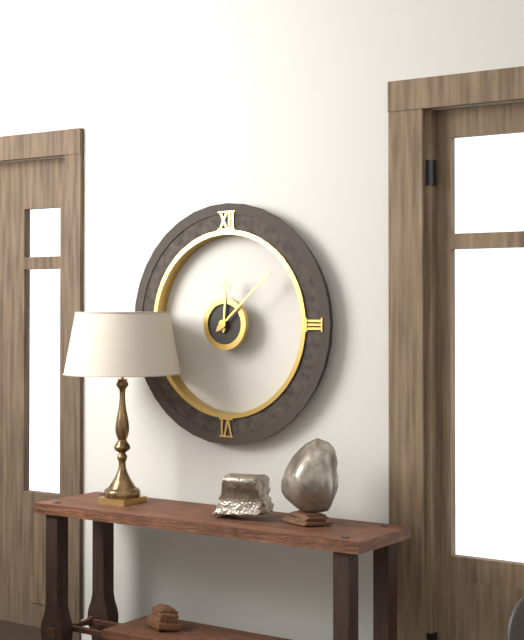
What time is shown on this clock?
12:08
